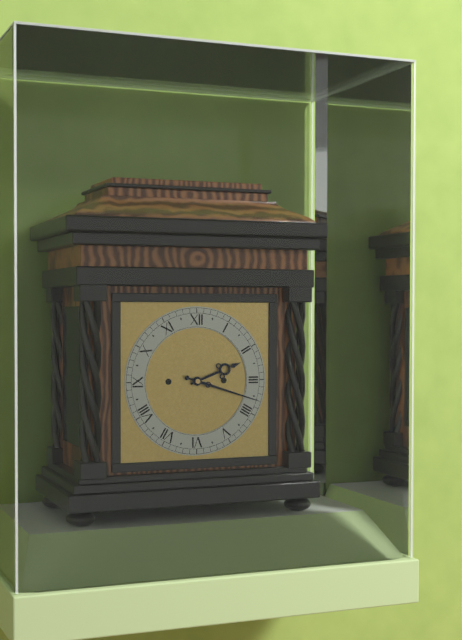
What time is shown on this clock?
2:18
